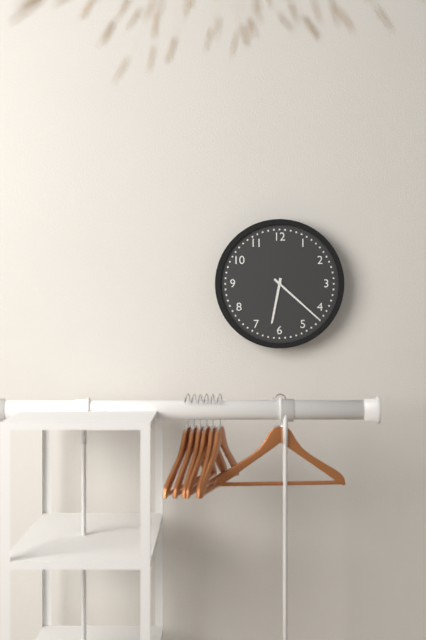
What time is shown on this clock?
6:22
